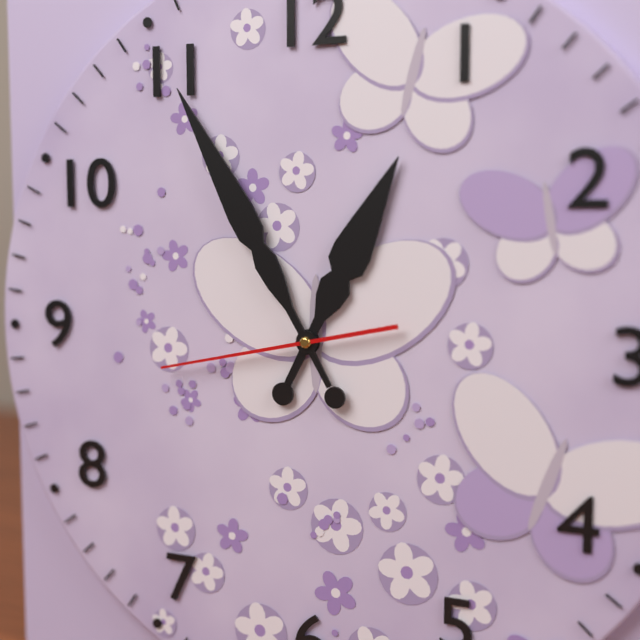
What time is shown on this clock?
12:55:43
